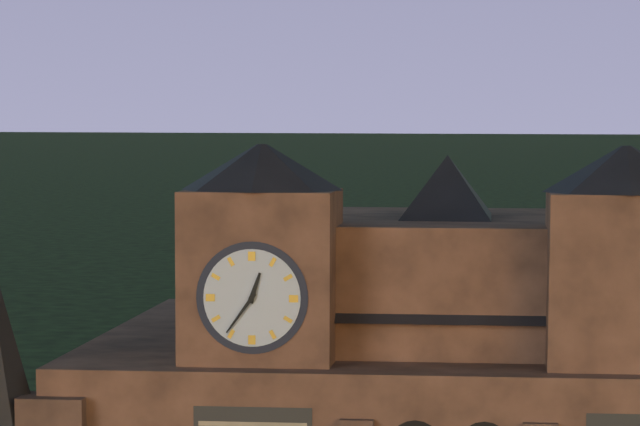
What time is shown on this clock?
12:36
